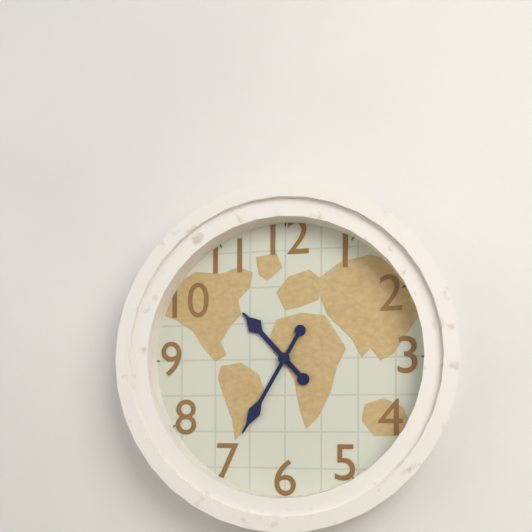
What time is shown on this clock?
10:35
